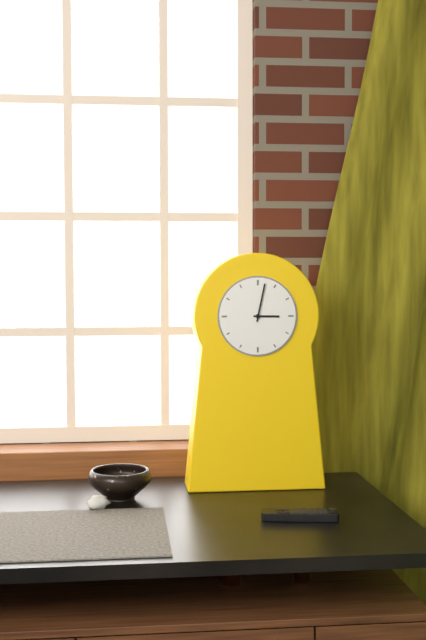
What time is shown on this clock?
3:02
